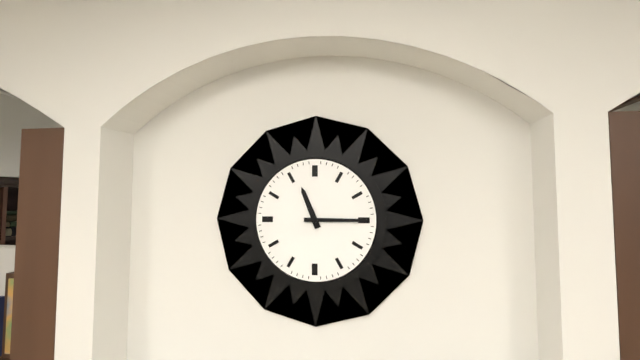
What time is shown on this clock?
11:15
